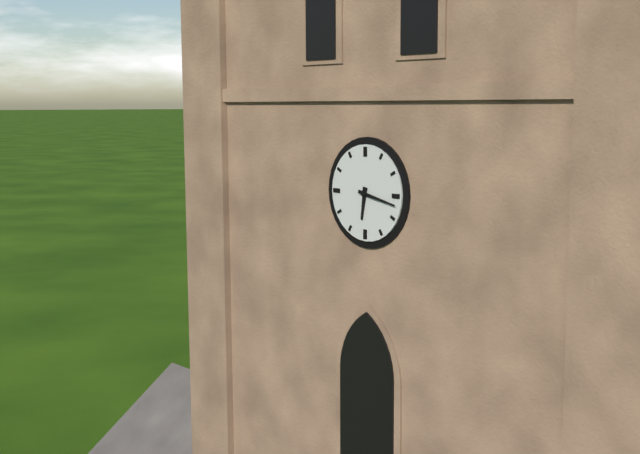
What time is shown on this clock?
6:17
